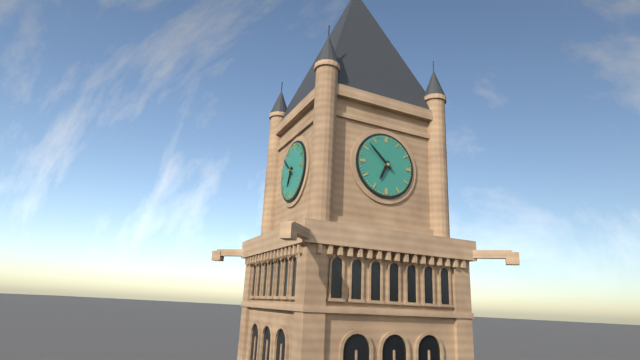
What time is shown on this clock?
6:52
